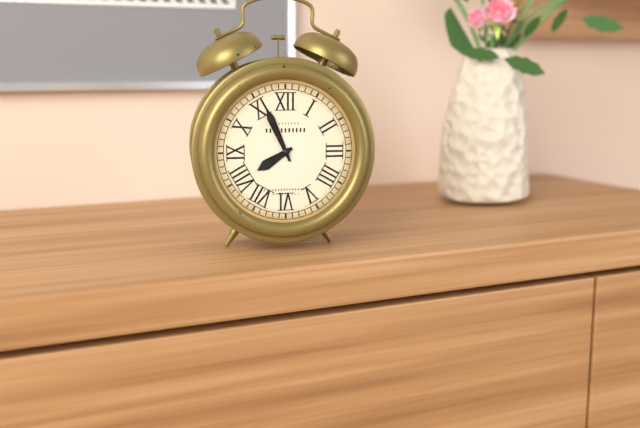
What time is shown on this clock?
7:56
